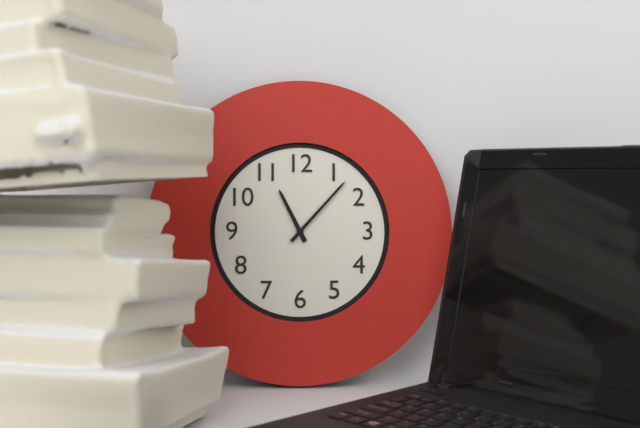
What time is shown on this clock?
11:07
